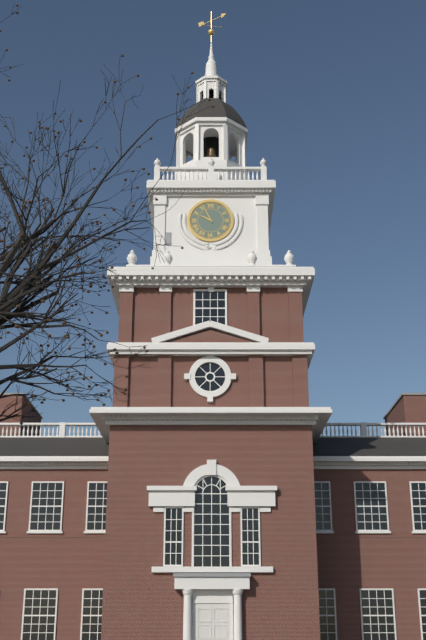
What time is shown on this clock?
9:56
